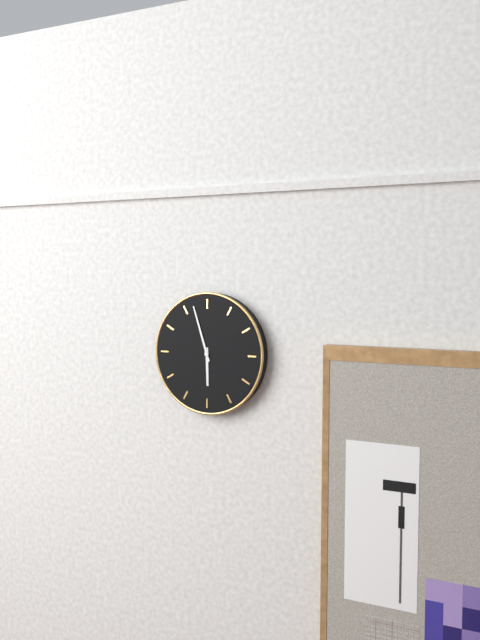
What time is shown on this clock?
5:57
